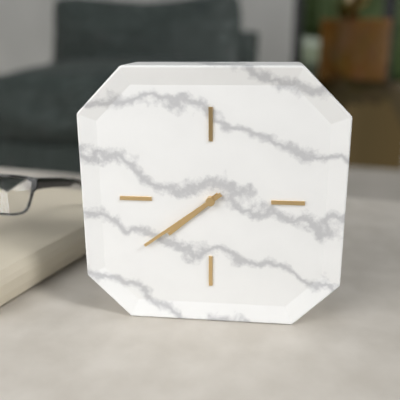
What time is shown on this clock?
7:39
